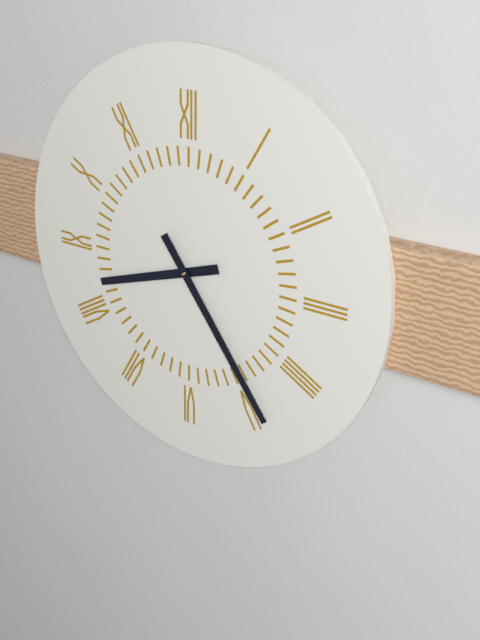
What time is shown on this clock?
8:24
